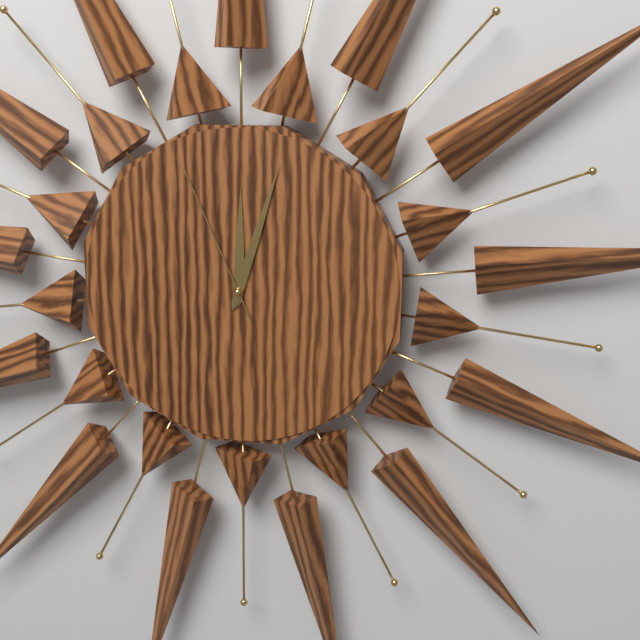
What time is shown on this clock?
12:03:56
